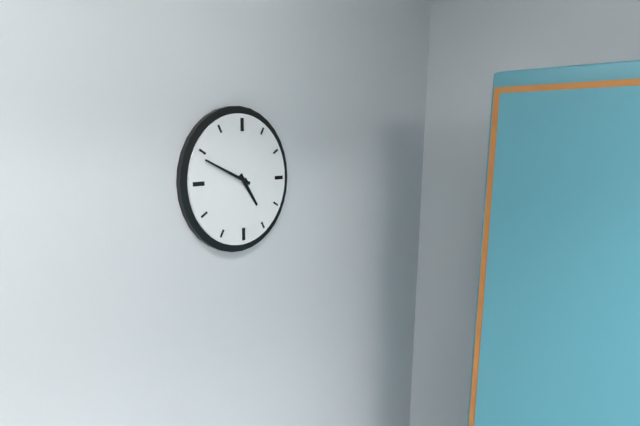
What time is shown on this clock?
4:49
